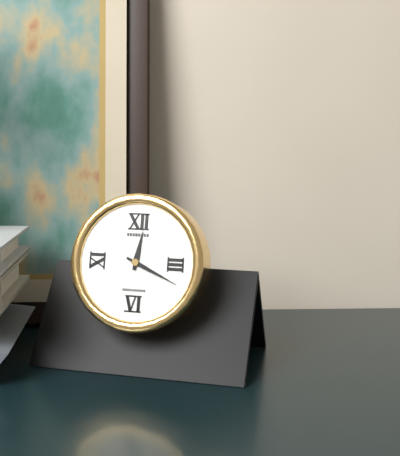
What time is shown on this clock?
12:19
